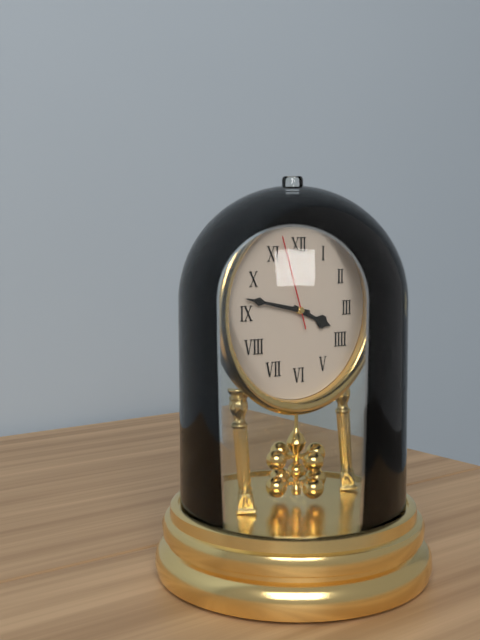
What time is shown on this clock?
3:47:57
